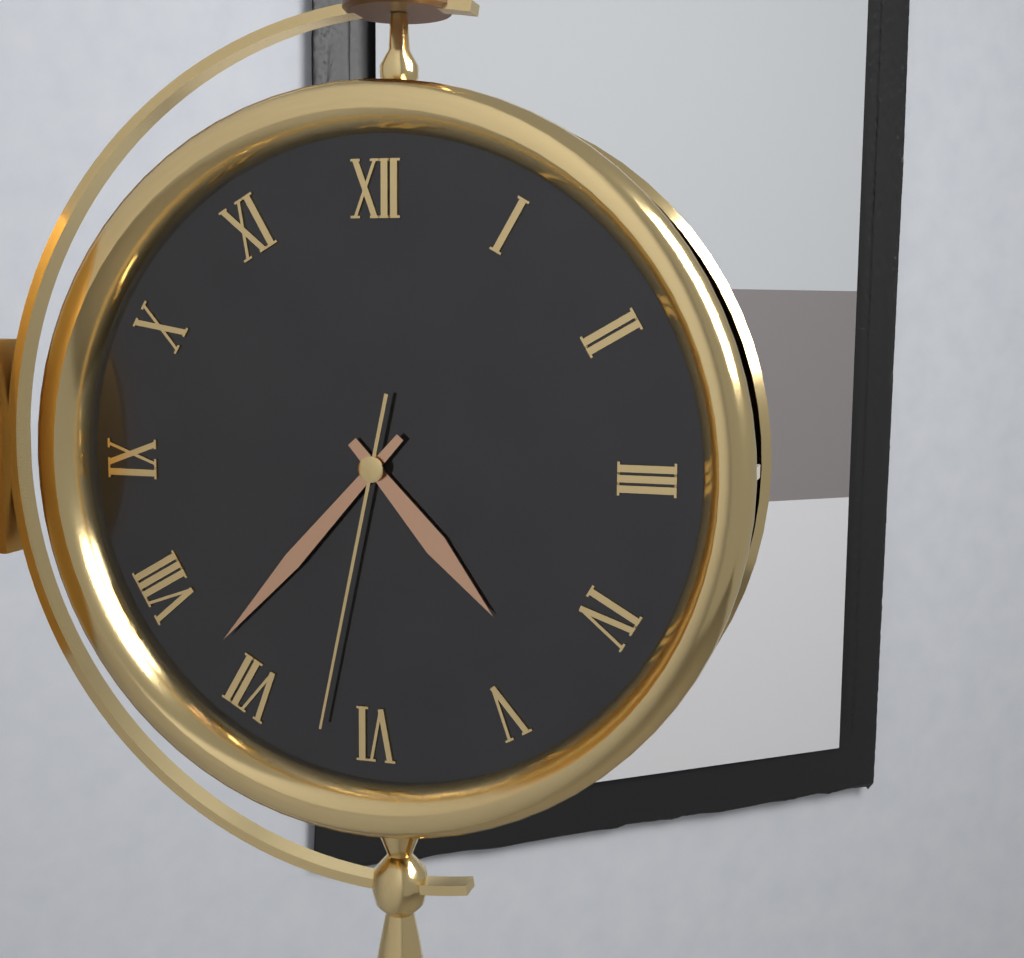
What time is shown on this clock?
4:37:32
